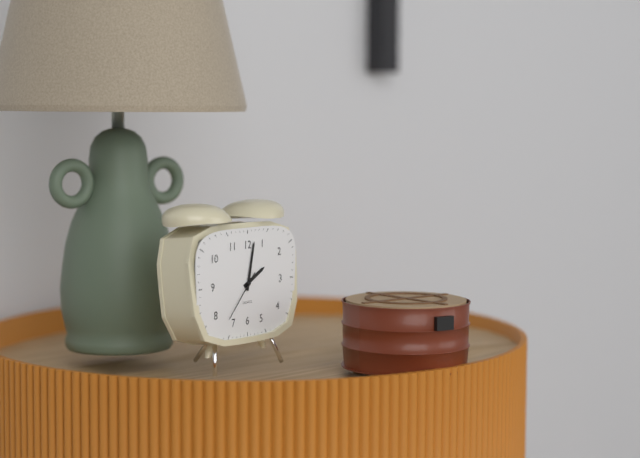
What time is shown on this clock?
2:02:37
